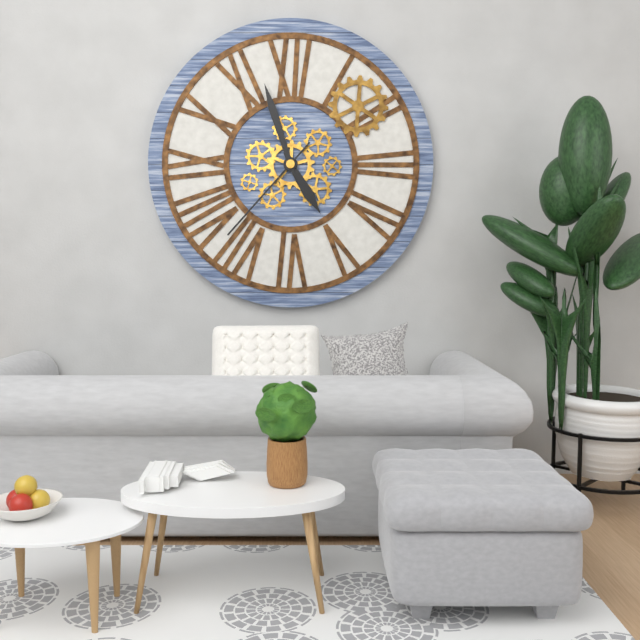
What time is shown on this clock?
4:57:37
